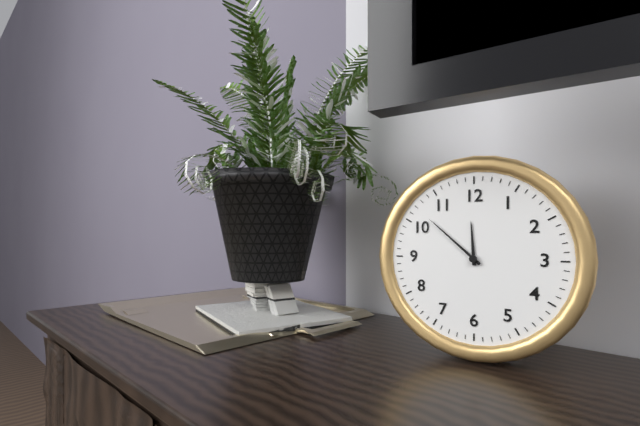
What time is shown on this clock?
11:52
